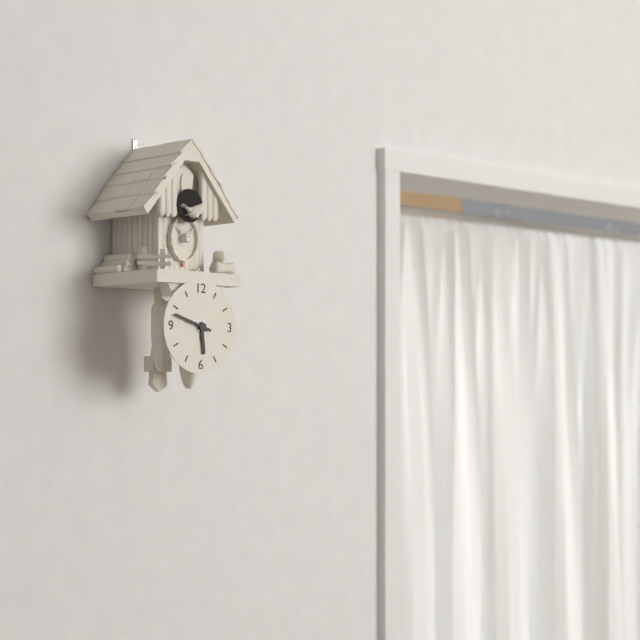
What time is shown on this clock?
5:48
